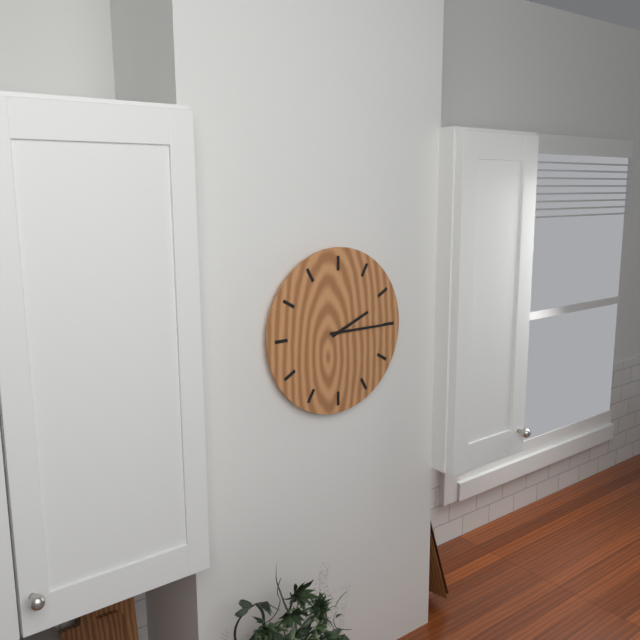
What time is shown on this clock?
2:15
